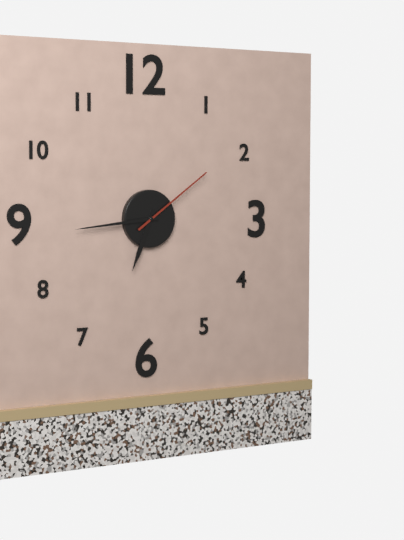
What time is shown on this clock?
6:44:09
